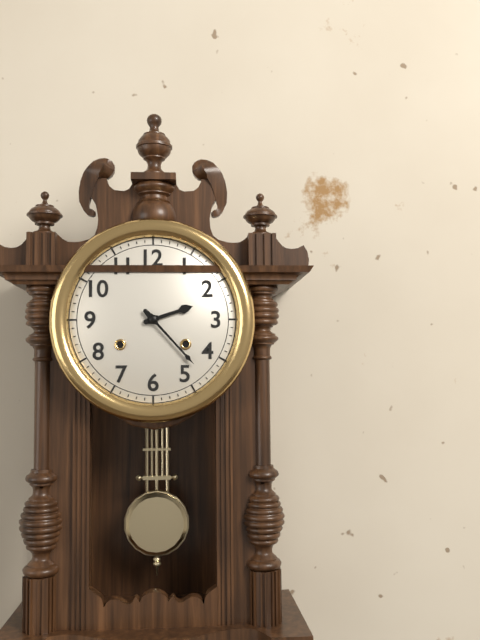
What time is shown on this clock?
2:23
